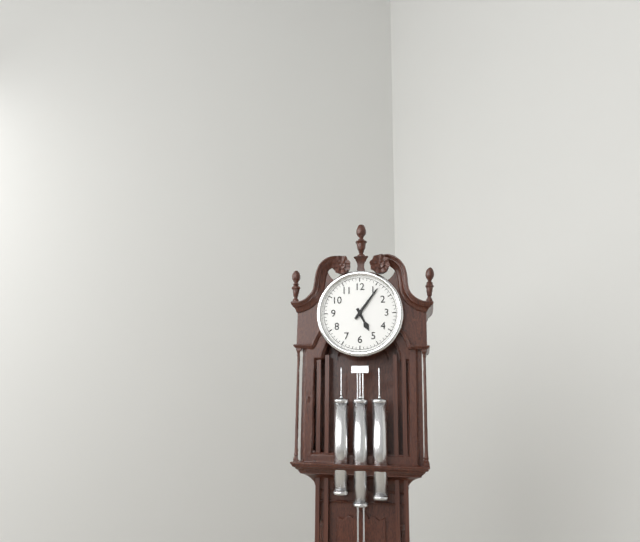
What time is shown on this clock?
5:06
